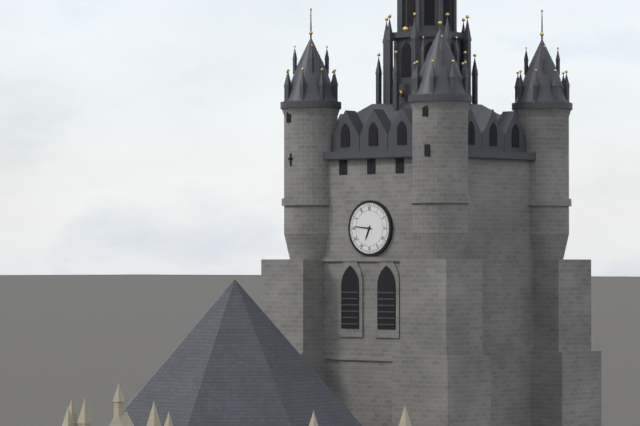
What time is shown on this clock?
6:46
